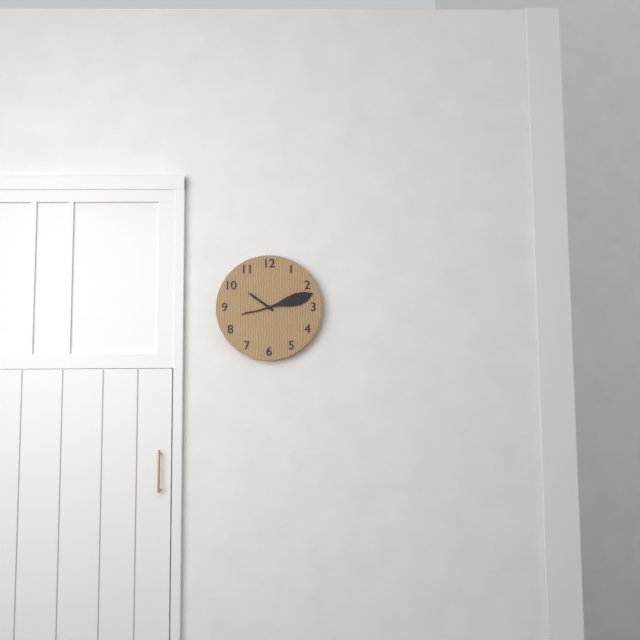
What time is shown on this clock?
10:12
